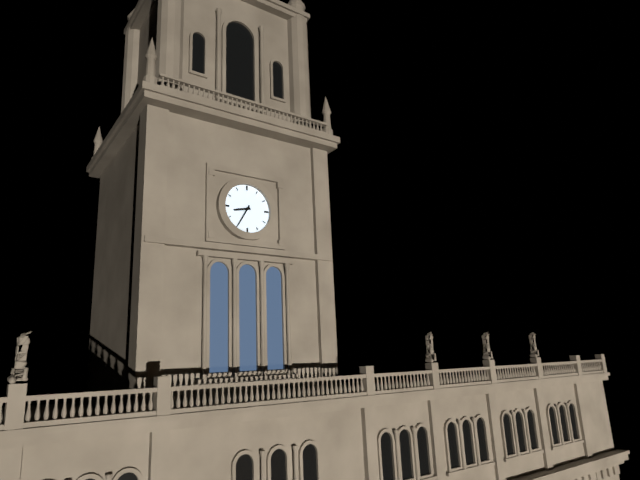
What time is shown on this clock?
8:35
